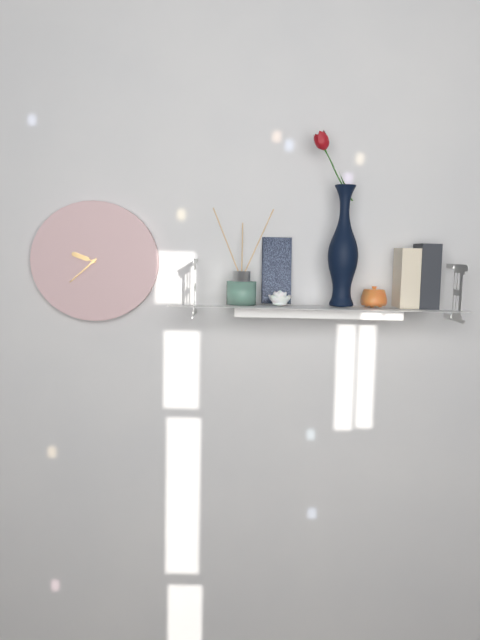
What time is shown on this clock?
9:38
